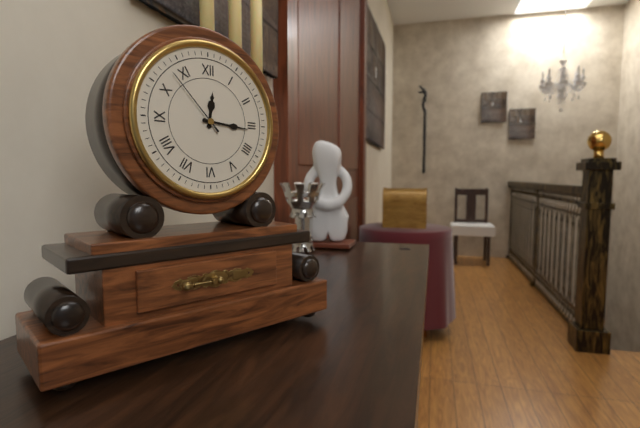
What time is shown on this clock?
12:16:53
